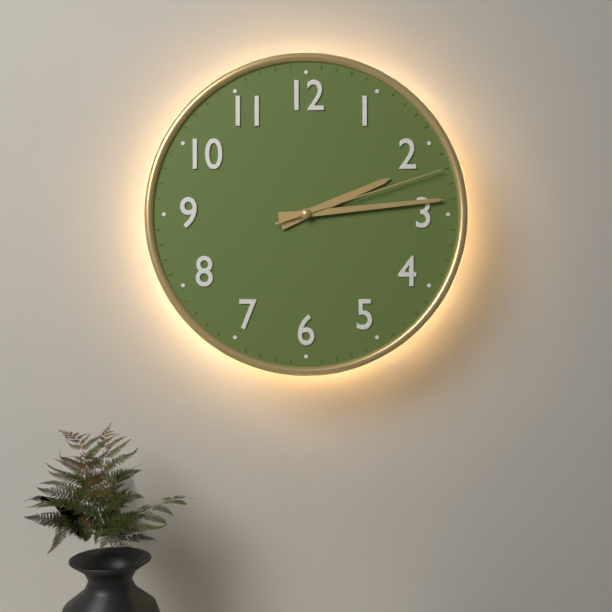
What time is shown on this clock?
2:14:12
